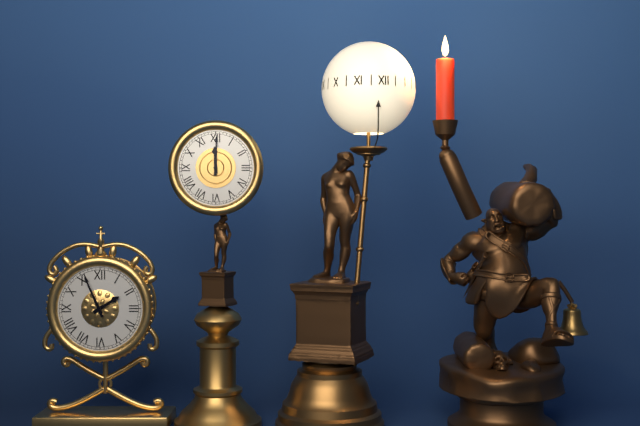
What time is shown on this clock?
1:56
